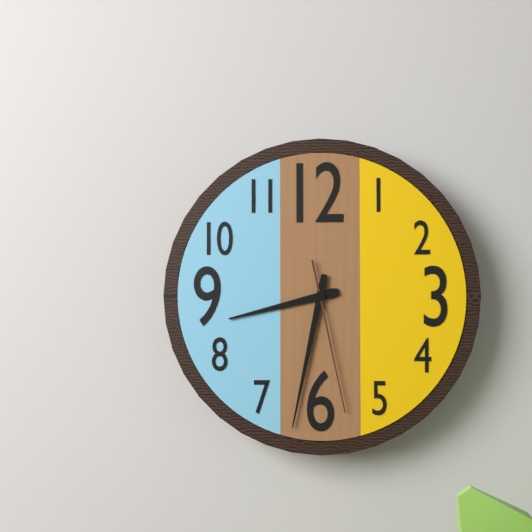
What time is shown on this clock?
8:32:28
